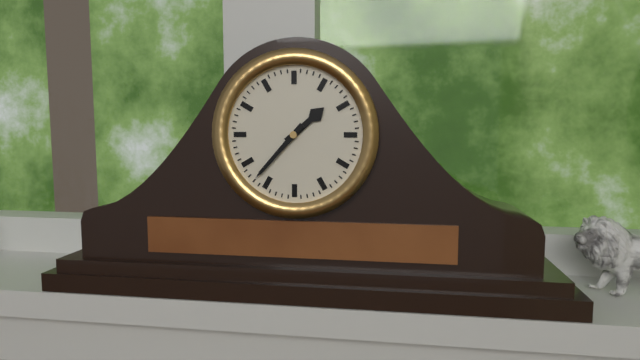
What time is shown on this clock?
1:37
